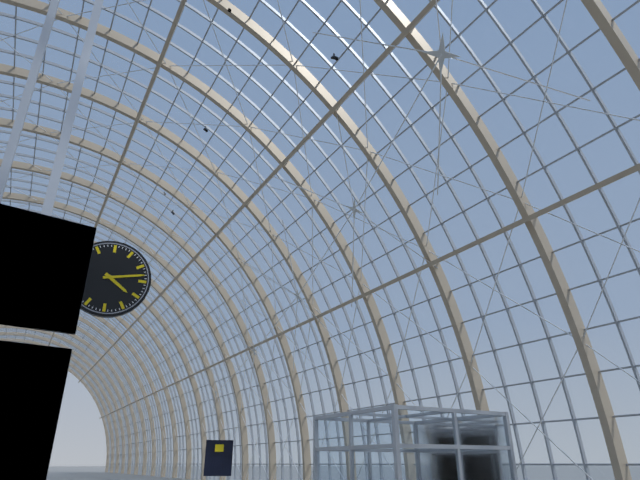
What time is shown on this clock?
4:13
